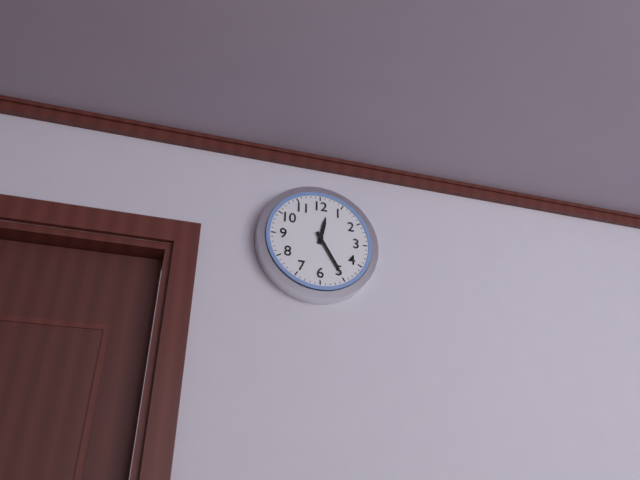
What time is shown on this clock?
12:25
